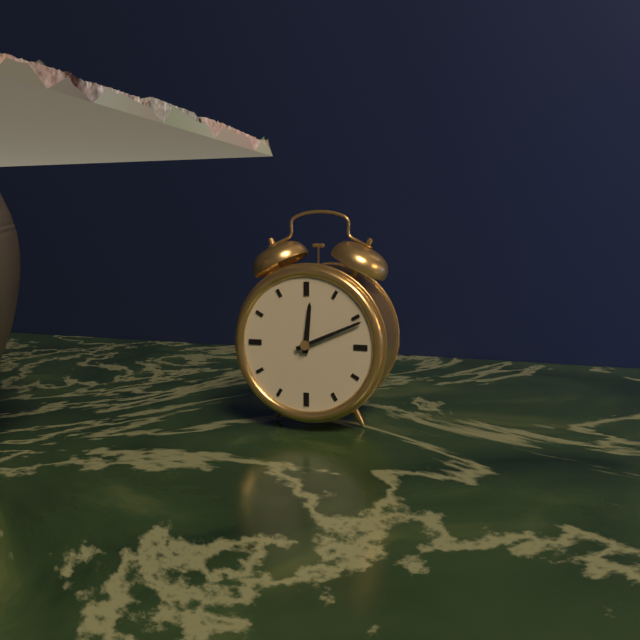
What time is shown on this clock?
12:11
